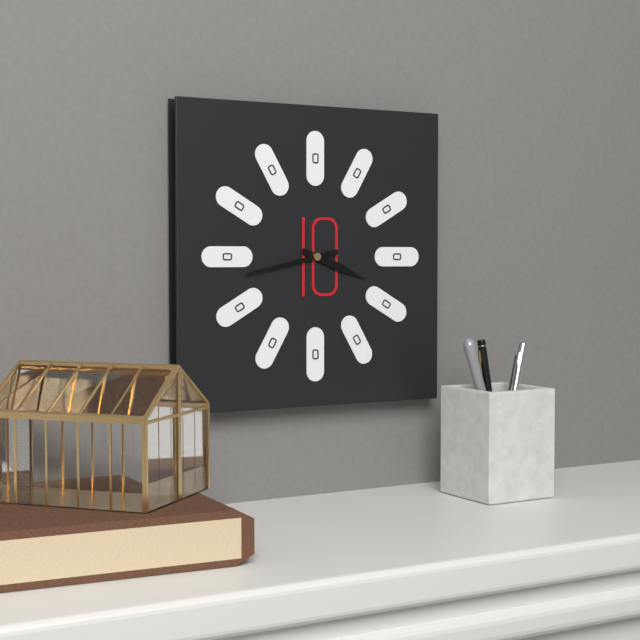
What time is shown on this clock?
3:43
